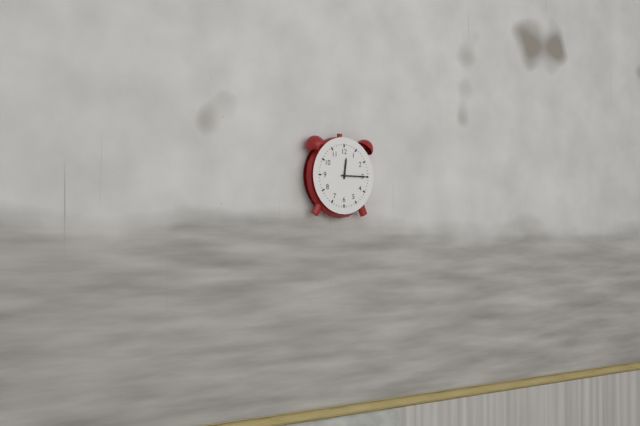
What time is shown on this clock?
12:15
